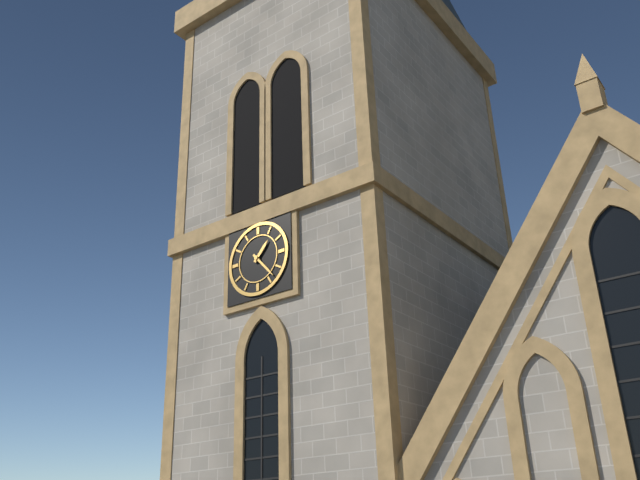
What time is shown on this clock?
1:23
